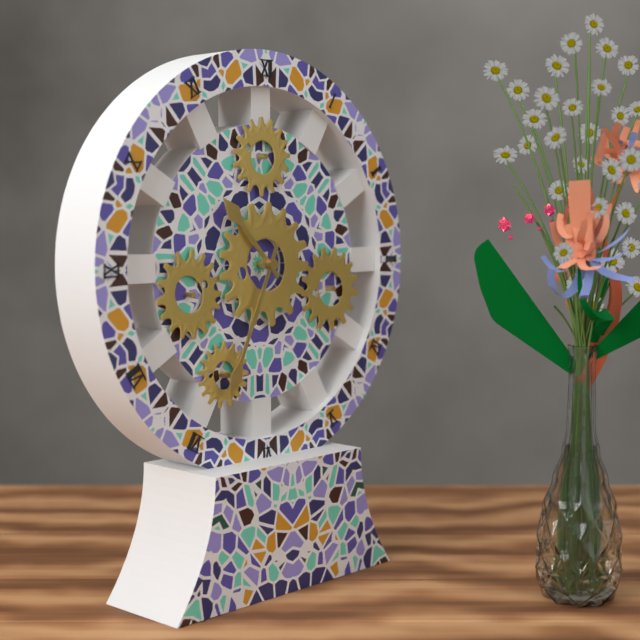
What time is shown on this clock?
10:34
